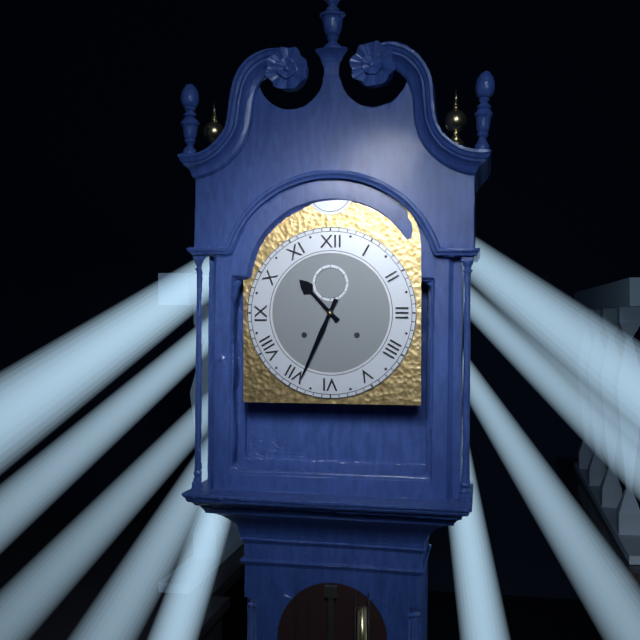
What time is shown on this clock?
10:34
